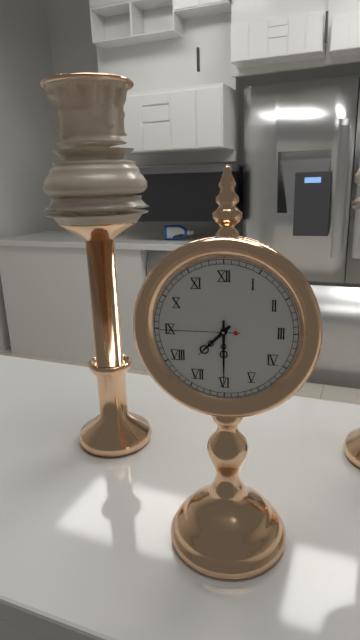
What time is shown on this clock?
7:30:45
